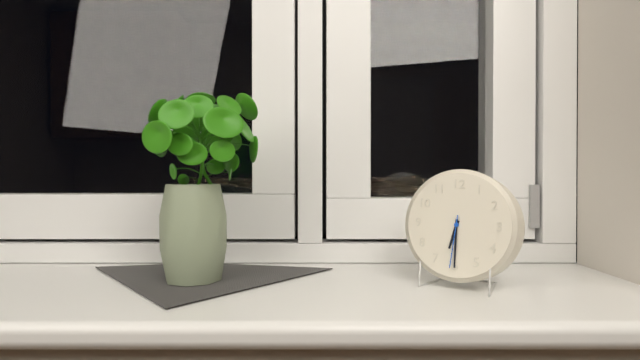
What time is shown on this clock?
6:30:31
